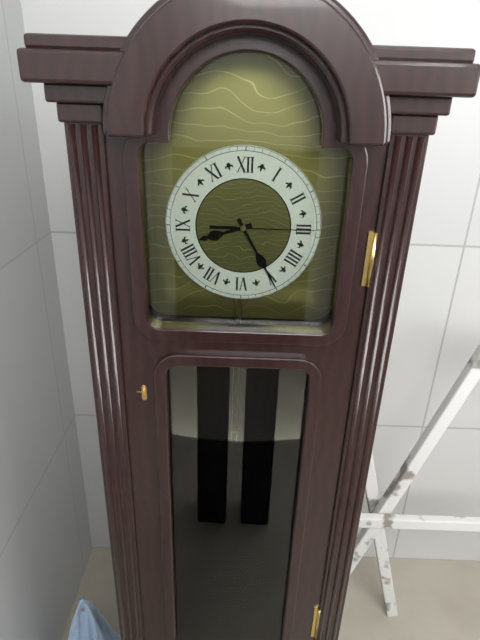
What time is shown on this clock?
8:25:15
